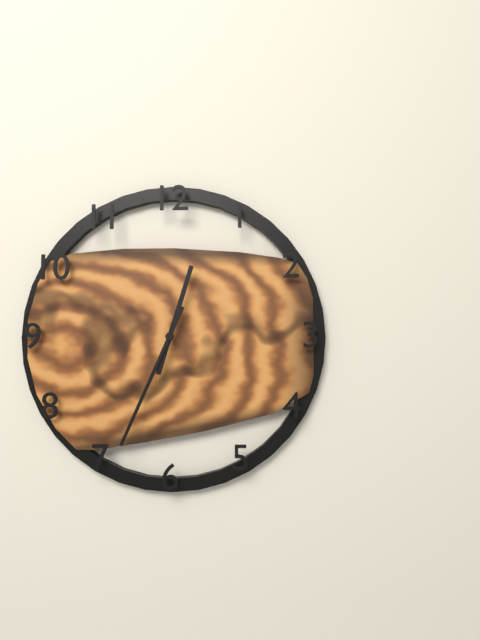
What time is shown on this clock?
12:34
